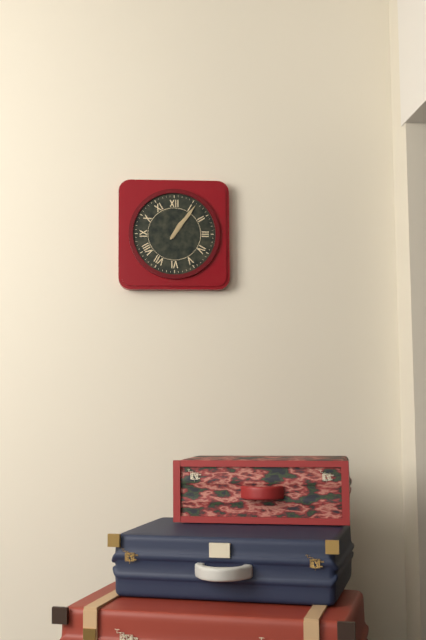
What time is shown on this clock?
1:06
